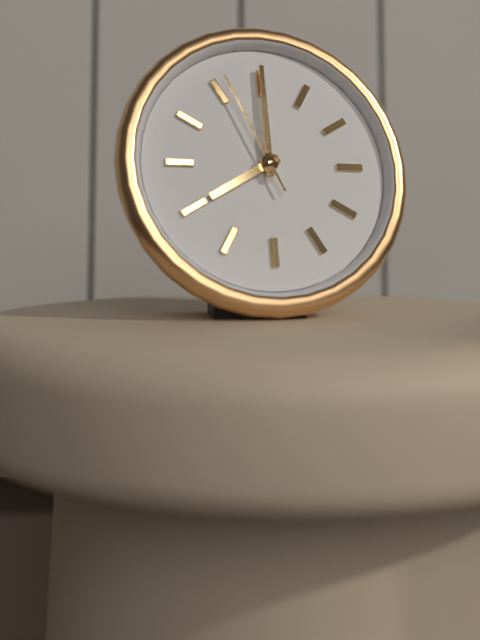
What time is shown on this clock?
8:00:56
